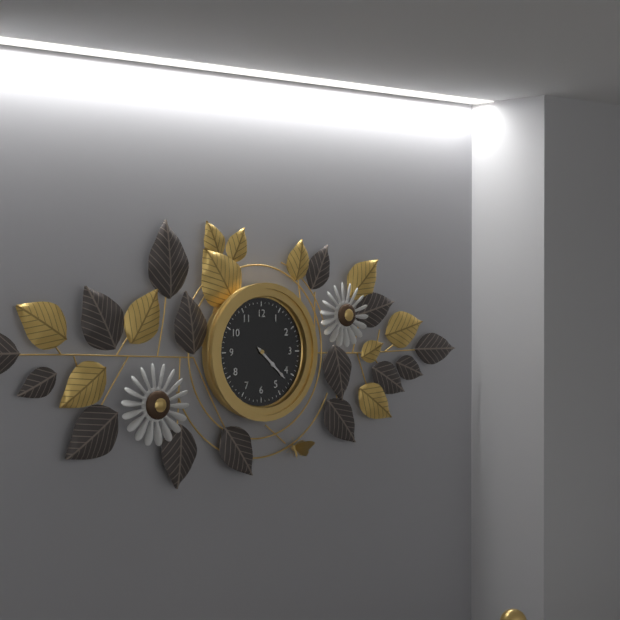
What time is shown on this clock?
4:22
